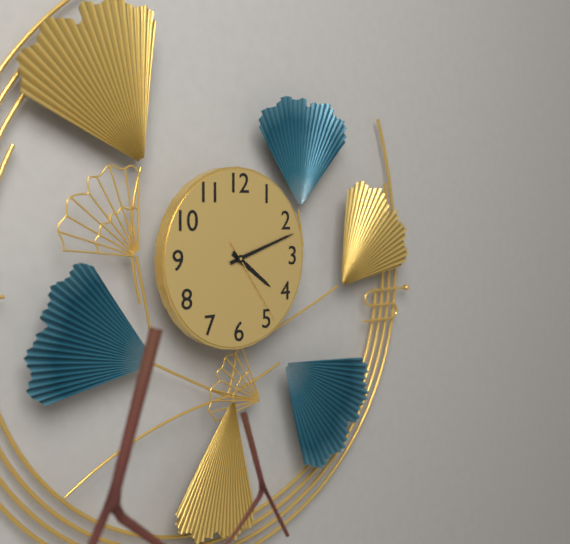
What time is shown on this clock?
4:12:24
